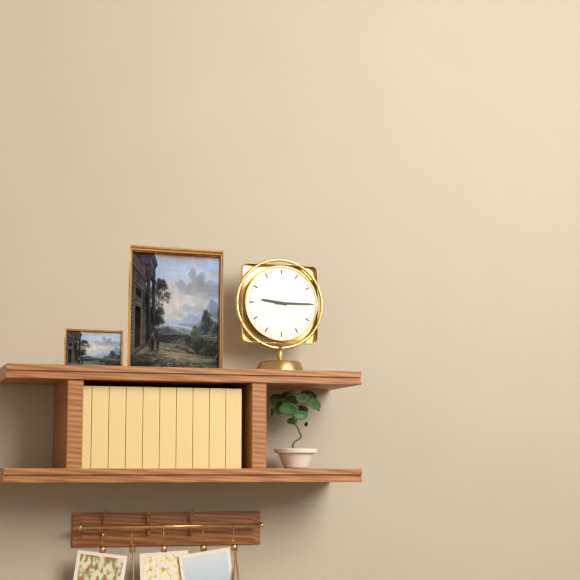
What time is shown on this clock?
9:15
